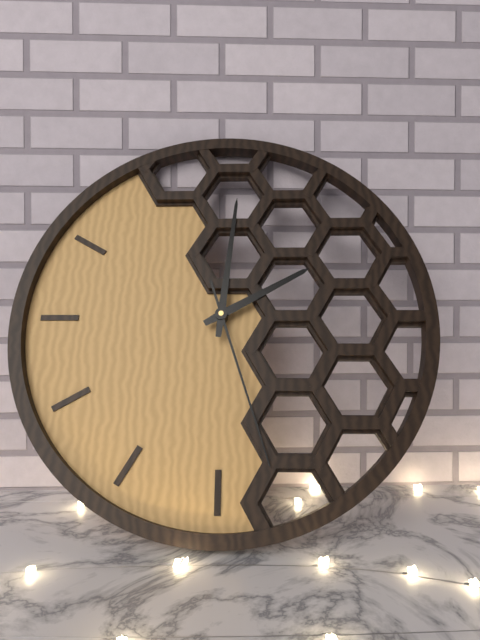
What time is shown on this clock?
2:01:27
